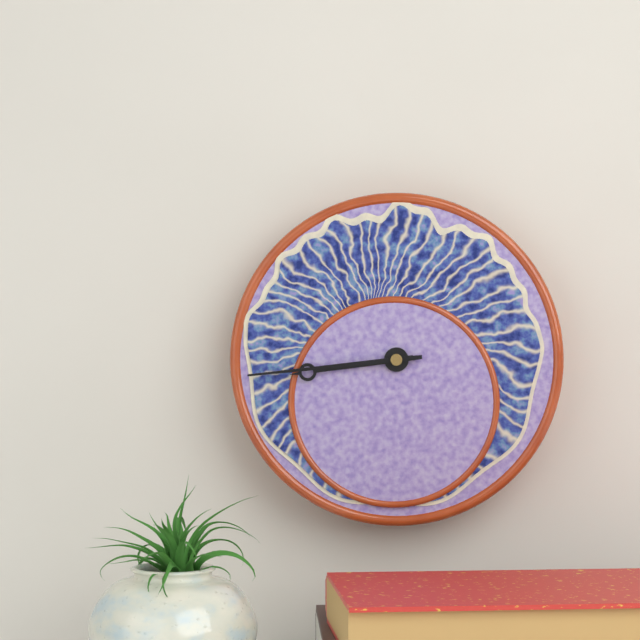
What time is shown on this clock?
8:44
